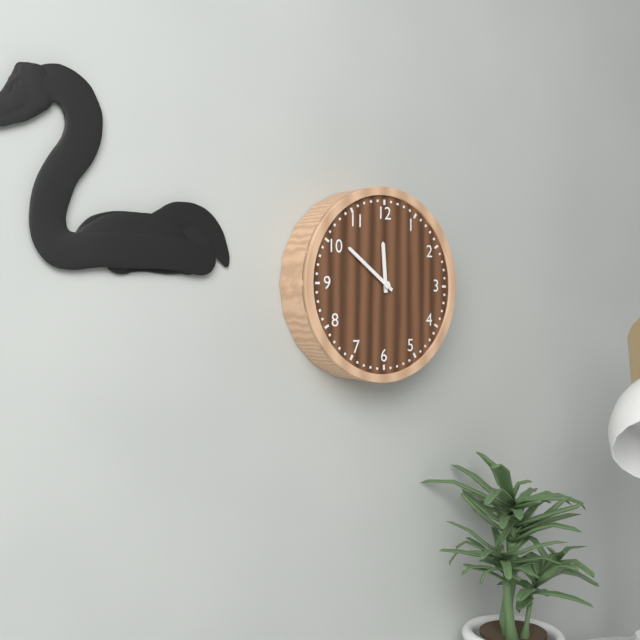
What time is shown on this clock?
11:51
